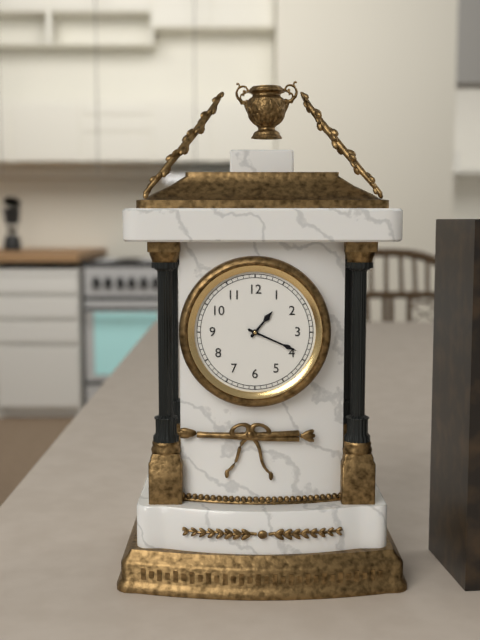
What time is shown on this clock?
1:19
